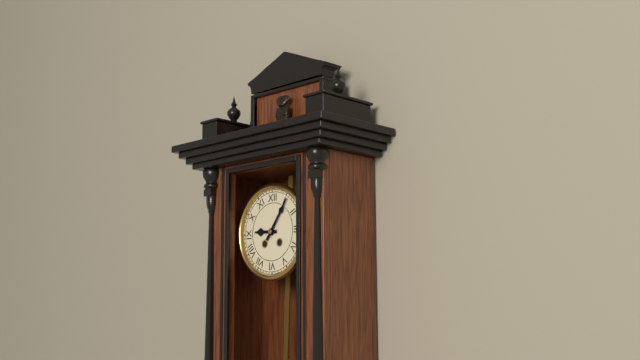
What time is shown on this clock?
9:06
